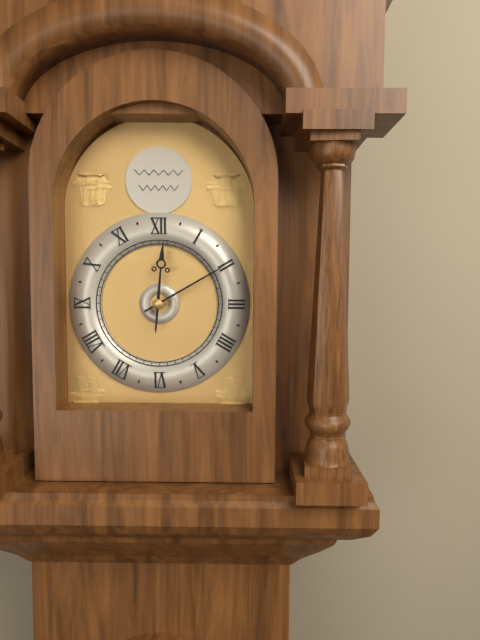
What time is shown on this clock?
12:10
